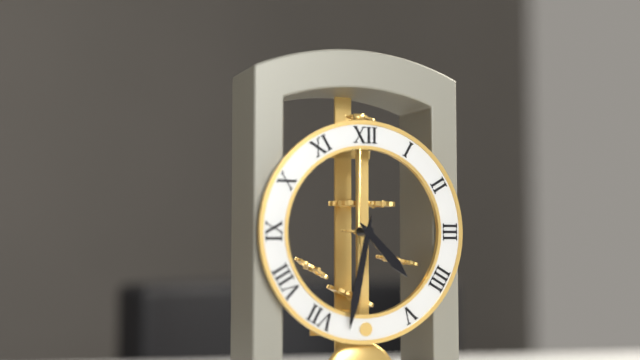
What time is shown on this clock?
4:32
